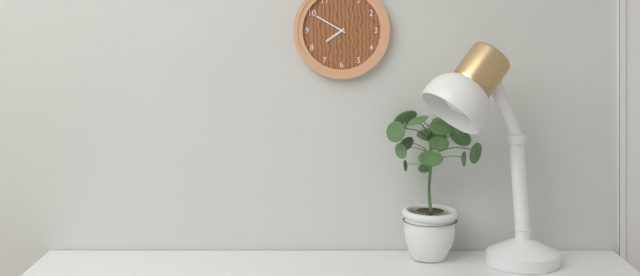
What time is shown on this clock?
7:50
